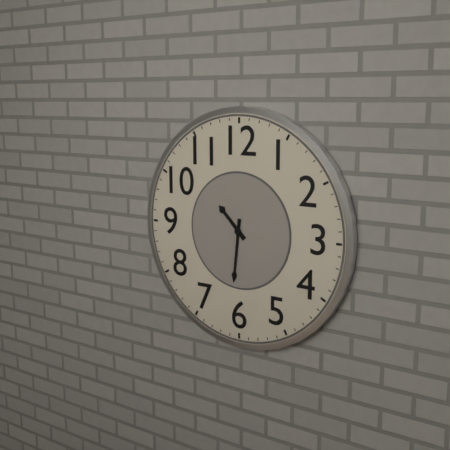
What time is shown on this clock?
10:31
